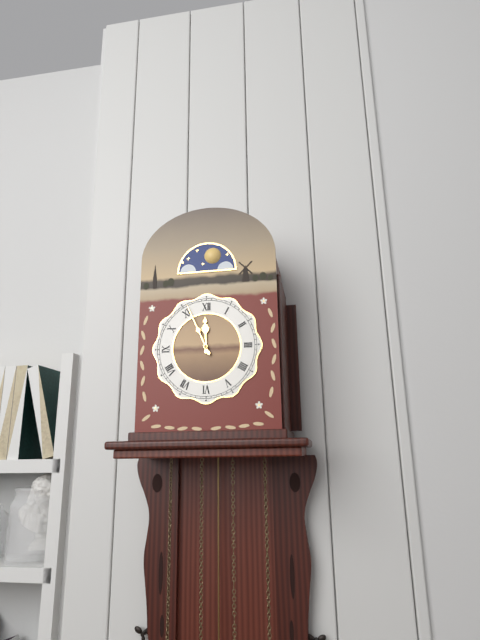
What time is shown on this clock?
11:56
